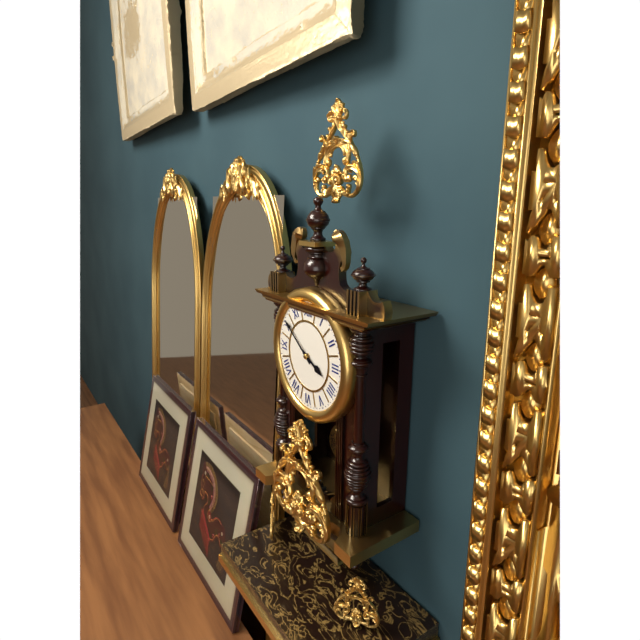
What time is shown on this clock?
3:51
